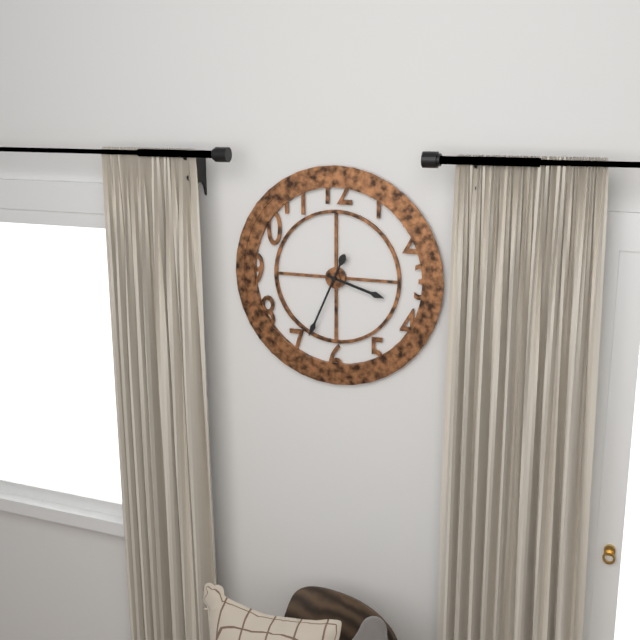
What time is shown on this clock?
3:34
